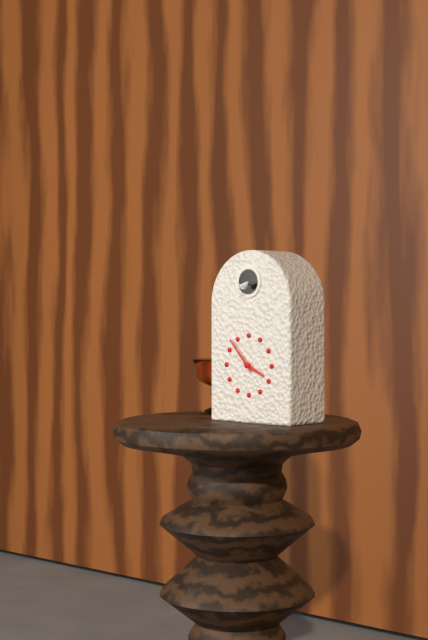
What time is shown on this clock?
3:53
